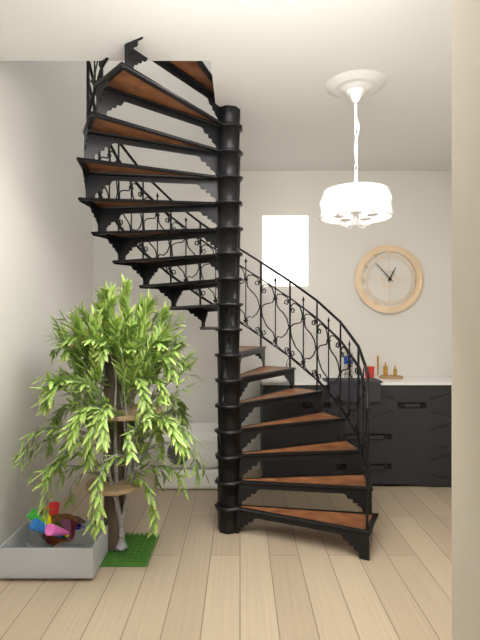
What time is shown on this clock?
12:53
